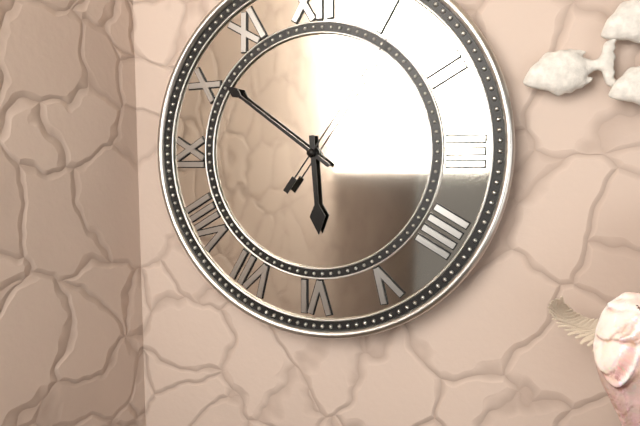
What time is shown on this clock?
5:51:06
